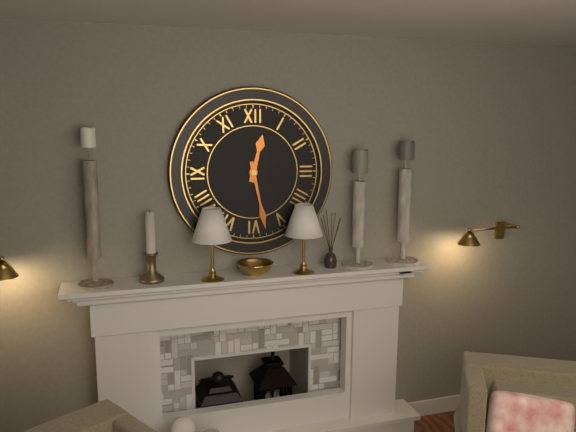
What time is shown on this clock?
12:28
